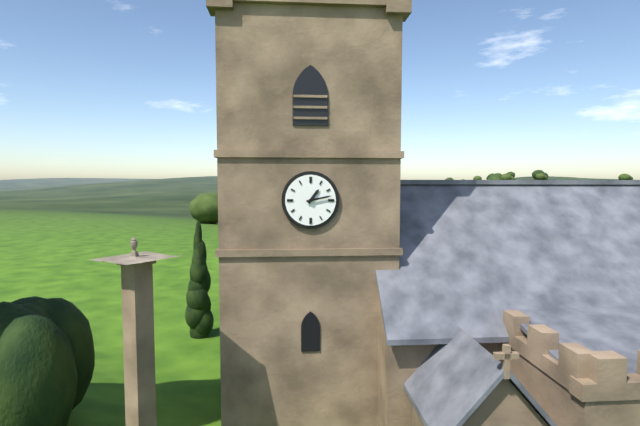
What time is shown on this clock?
1:13
